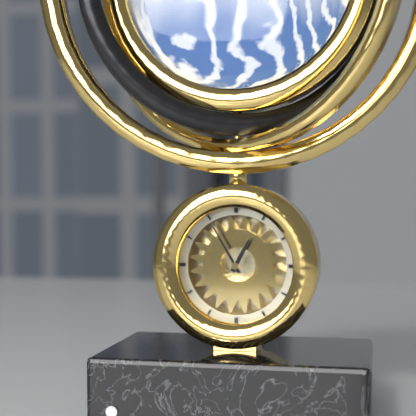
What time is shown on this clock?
12:55
